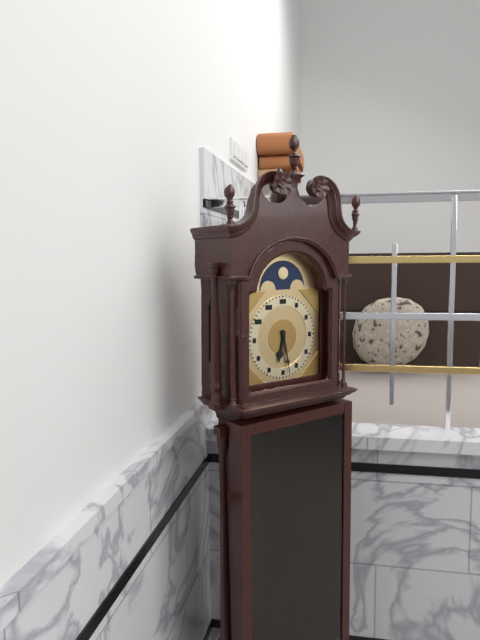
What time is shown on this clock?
6:28
